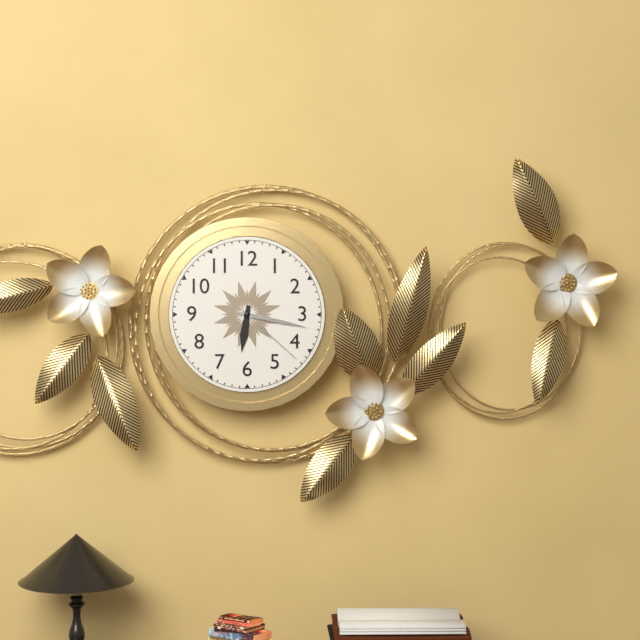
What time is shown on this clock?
6:17:22
